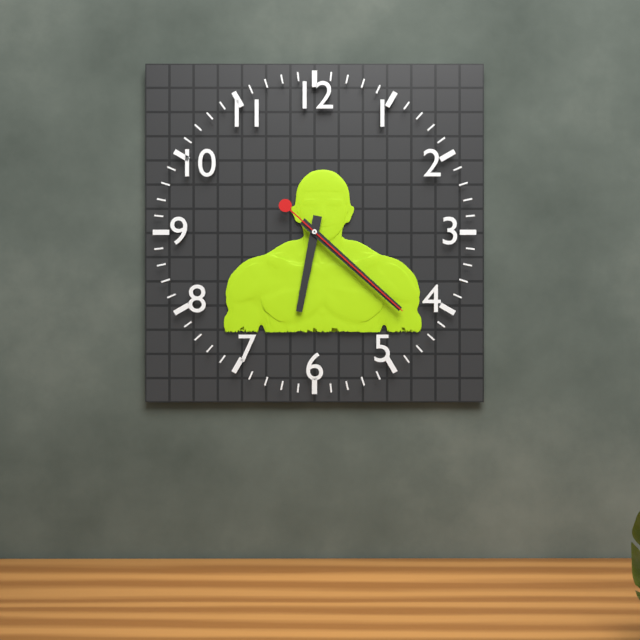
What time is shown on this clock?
6:22:22
